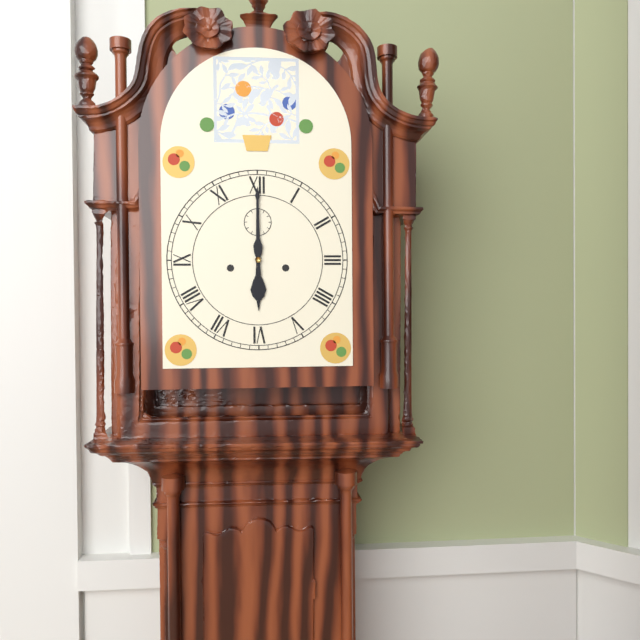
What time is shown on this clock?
6:00
